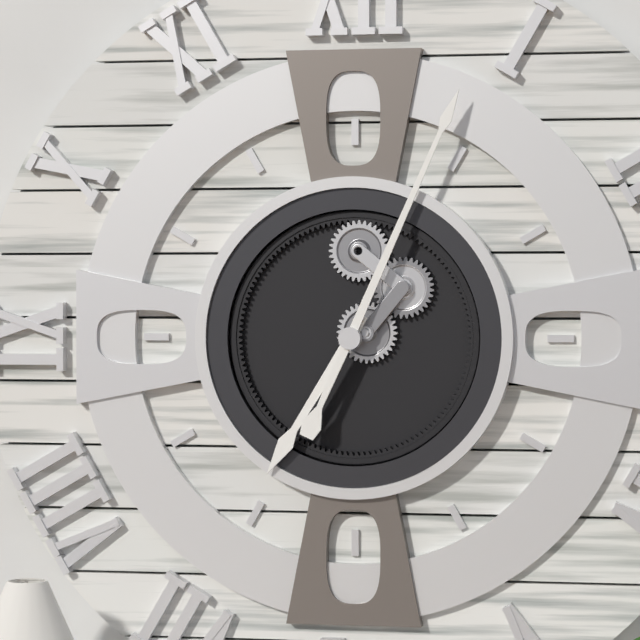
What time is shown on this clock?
7:04
